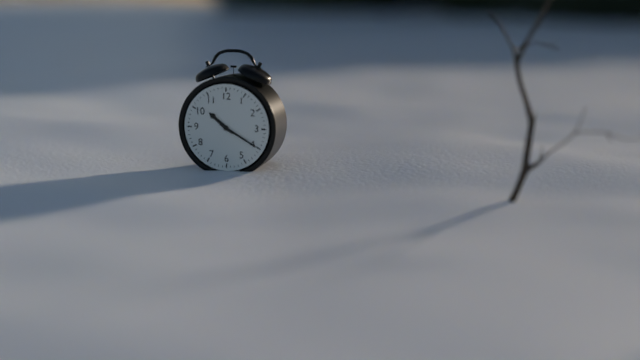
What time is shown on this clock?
10:20
